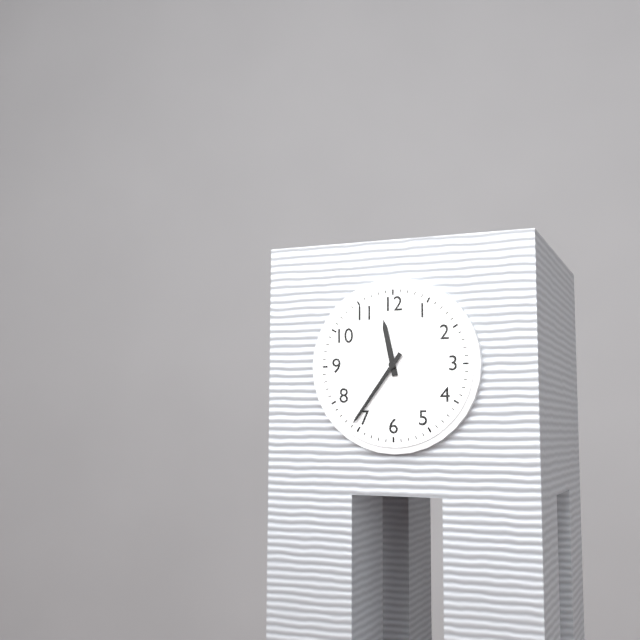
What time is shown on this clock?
11:36
